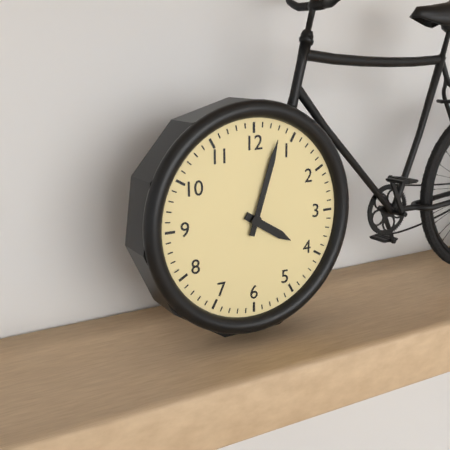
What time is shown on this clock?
4:03
